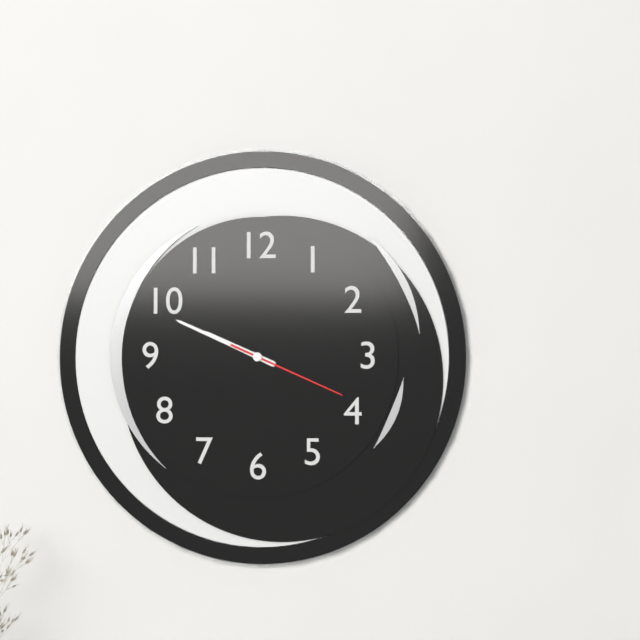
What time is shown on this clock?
9:49:19
